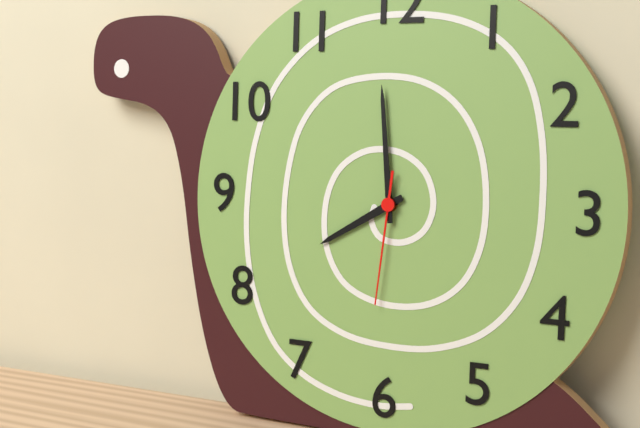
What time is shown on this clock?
7:59:31
